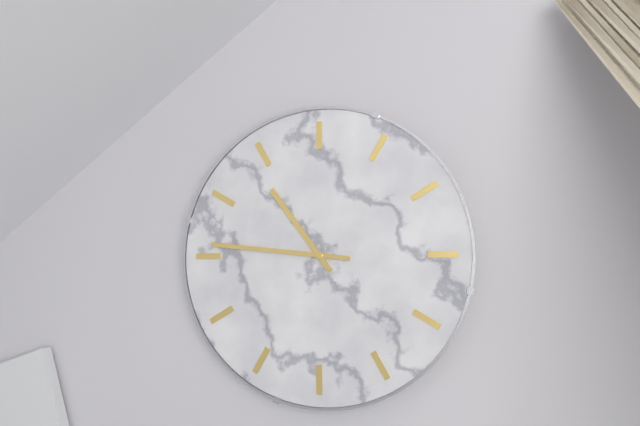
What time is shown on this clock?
10:46
